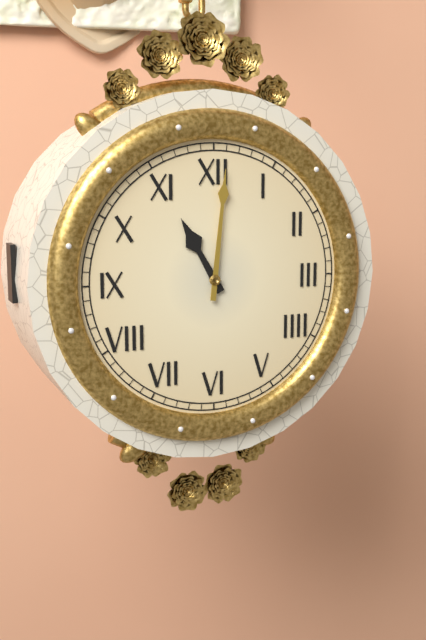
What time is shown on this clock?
11:01
